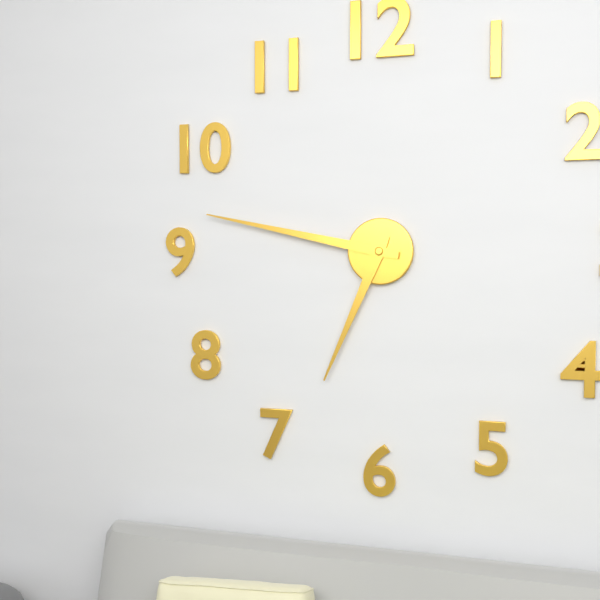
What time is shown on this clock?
6:47
